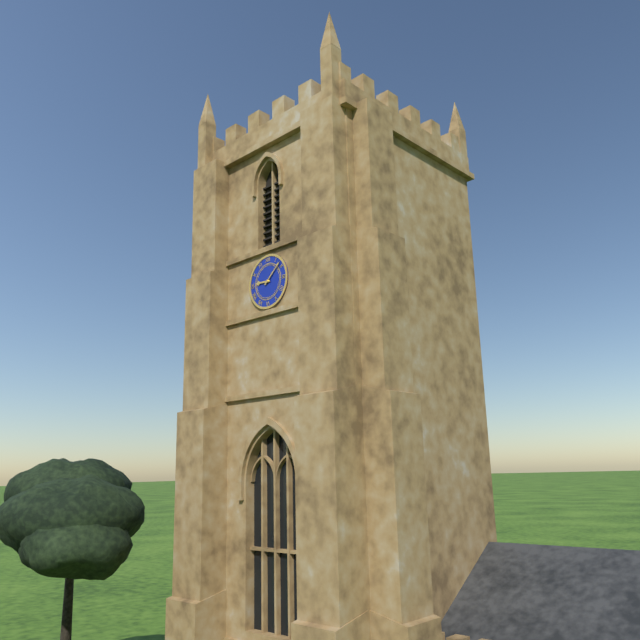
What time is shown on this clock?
9:08
